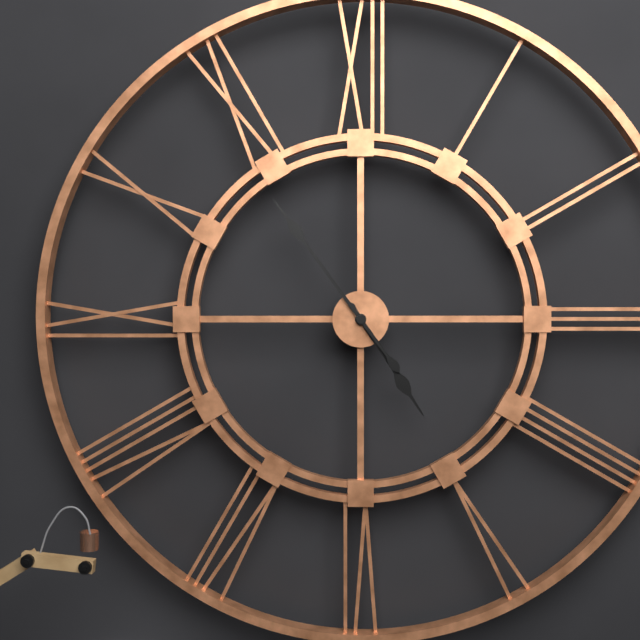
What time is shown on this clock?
4:54
